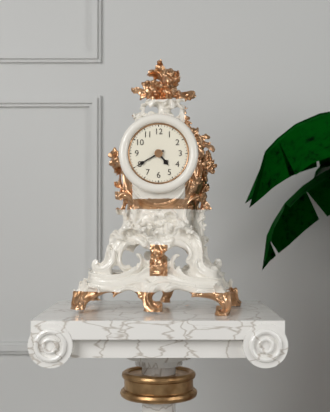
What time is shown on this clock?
4:40
